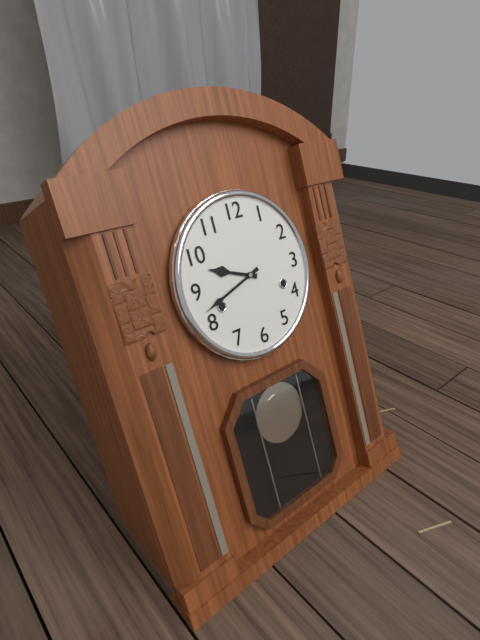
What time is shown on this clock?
9:42
